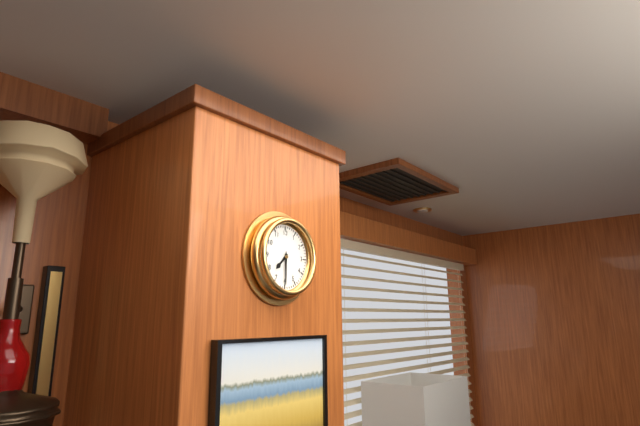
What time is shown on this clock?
7:30
